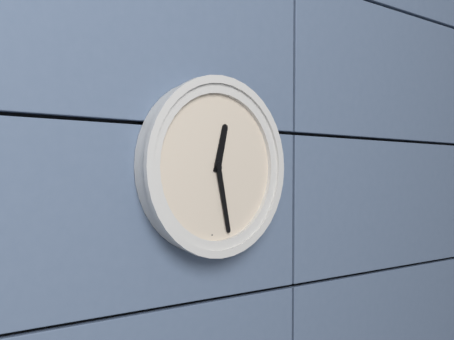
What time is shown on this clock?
12:28
